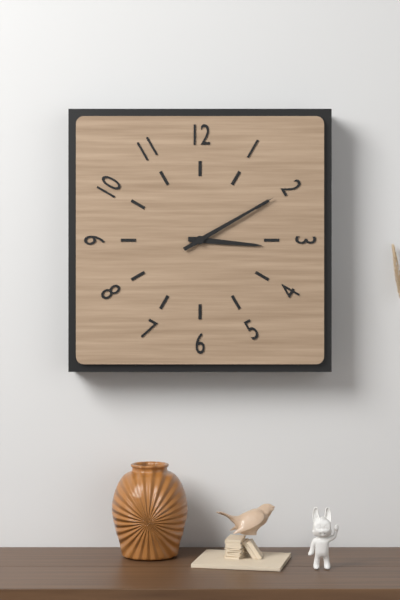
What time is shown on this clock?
3:10
